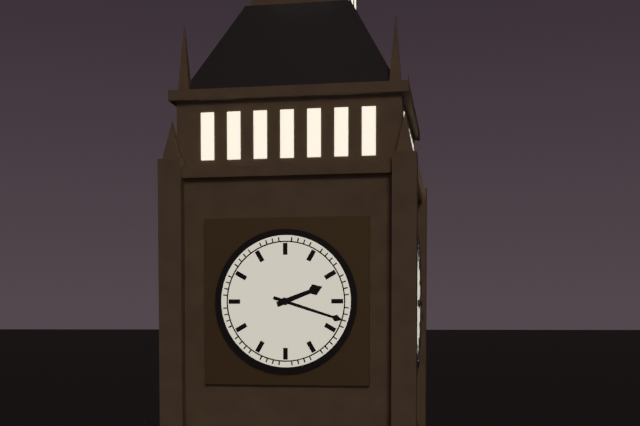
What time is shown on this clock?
2:18
